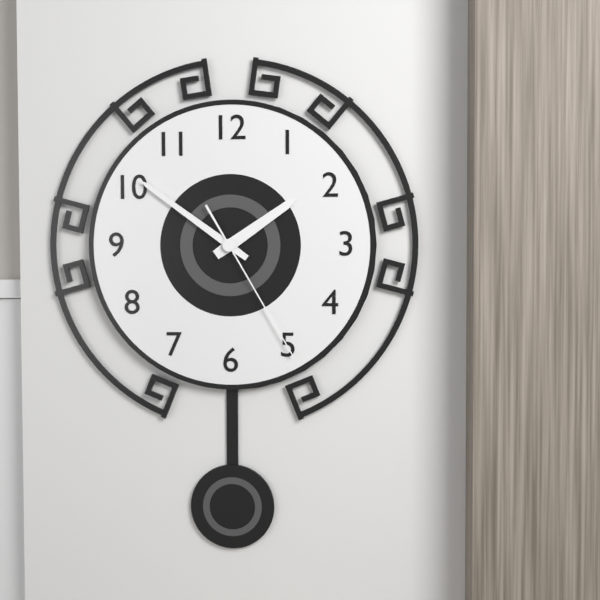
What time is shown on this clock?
1:51:25
